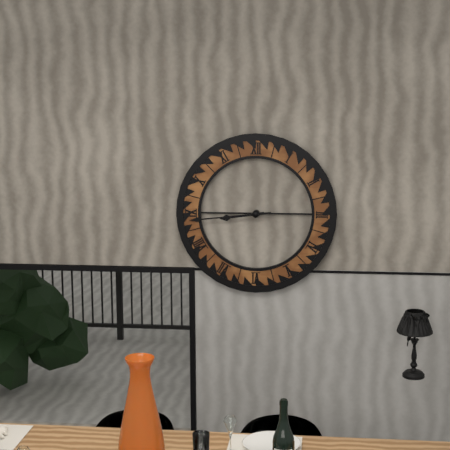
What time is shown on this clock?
8:44
